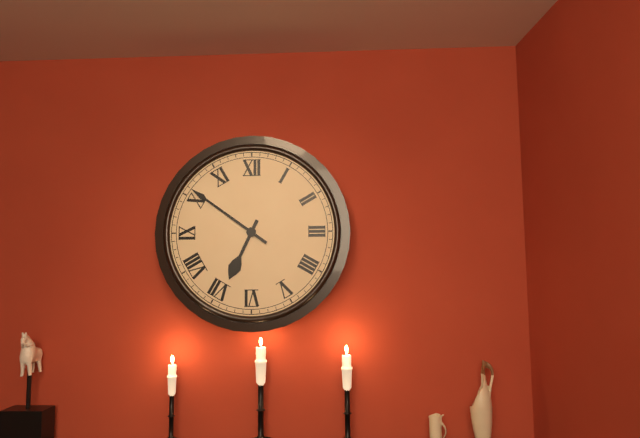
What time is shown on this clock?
6:51
